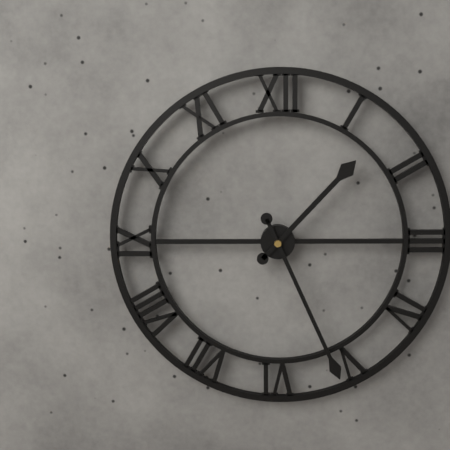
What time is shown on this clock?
1:26
